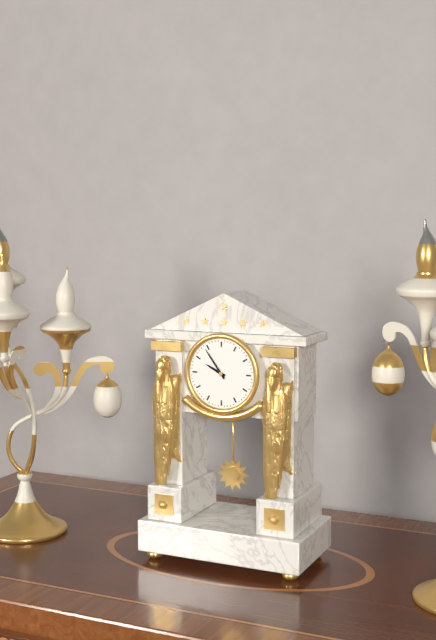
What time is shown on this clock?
9:54
